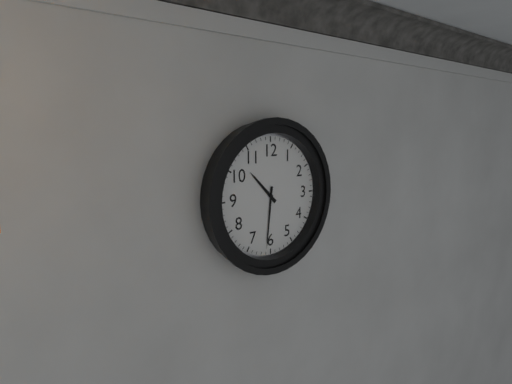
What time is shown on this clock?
10:31
